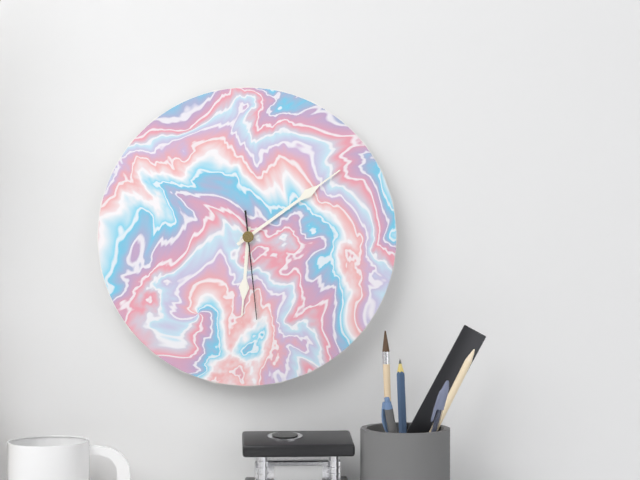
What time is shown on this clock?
6:09:29
